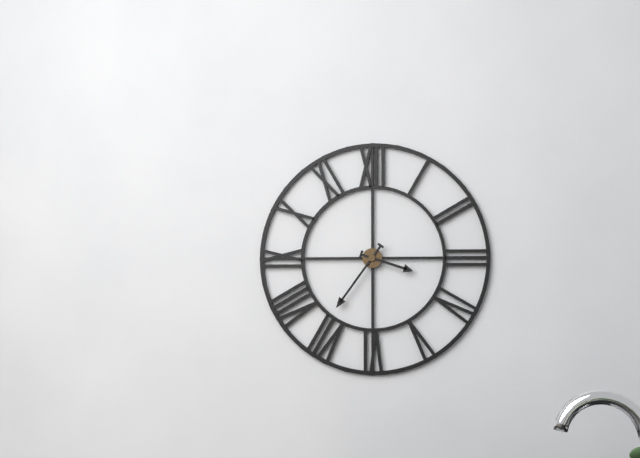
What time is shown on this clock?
3:36
